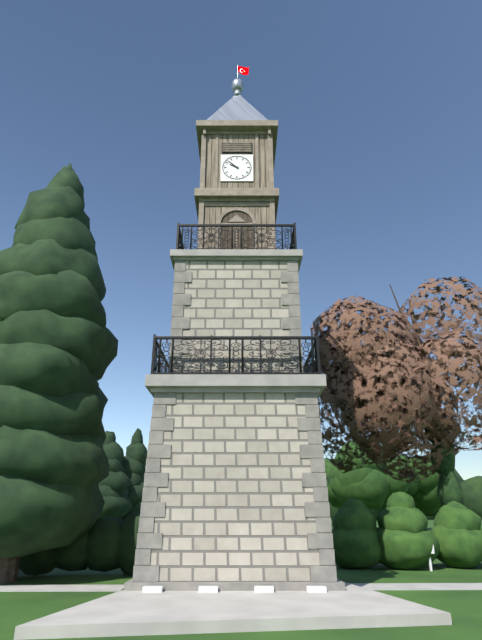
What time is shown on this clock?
9:52
